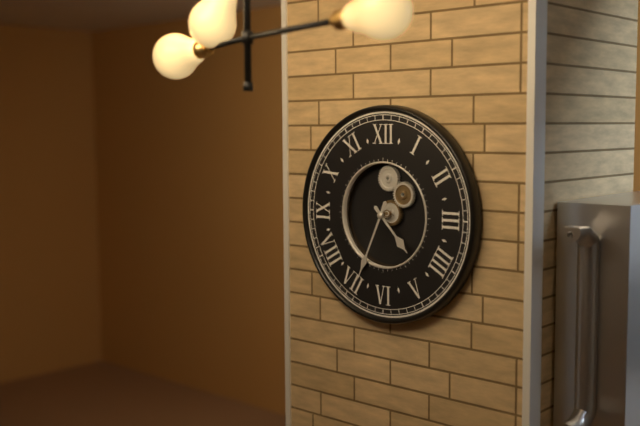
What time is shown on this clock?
4:34
